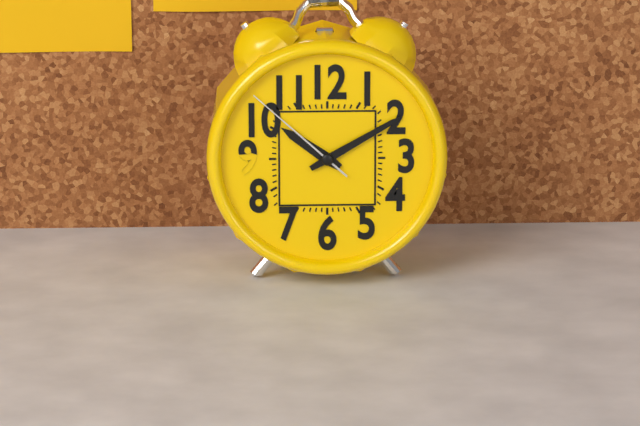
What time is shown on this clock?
10:10:52
